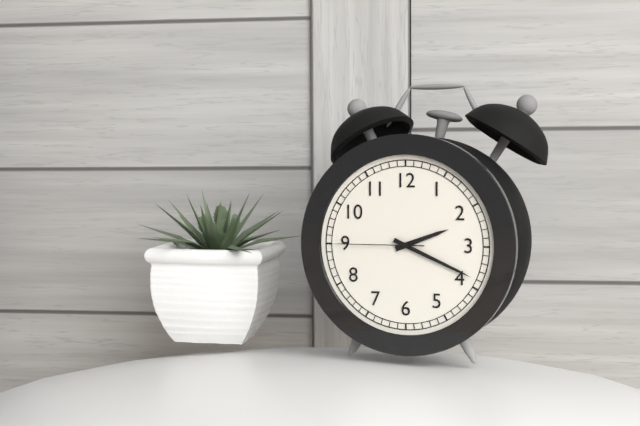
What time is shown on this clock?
2:19:45
